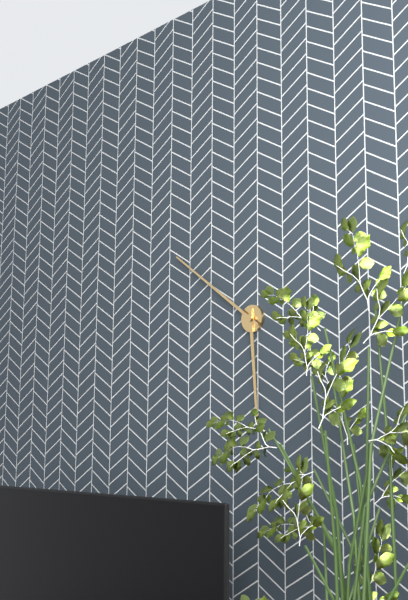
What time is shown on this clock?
5:51
